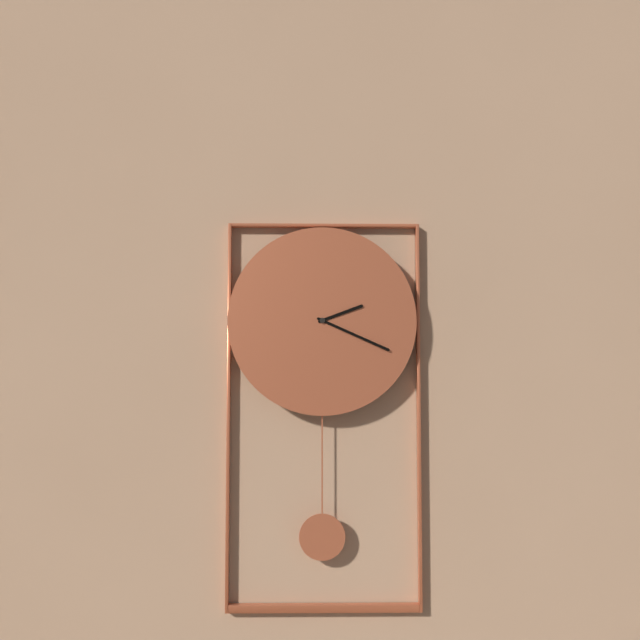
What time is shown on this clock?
2:19
